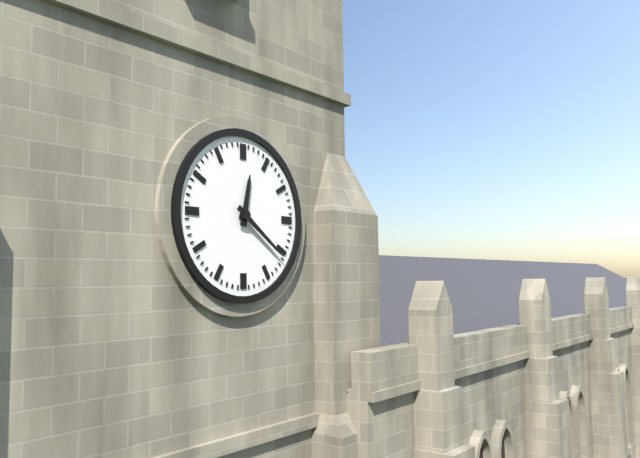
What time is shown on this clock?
12:21
